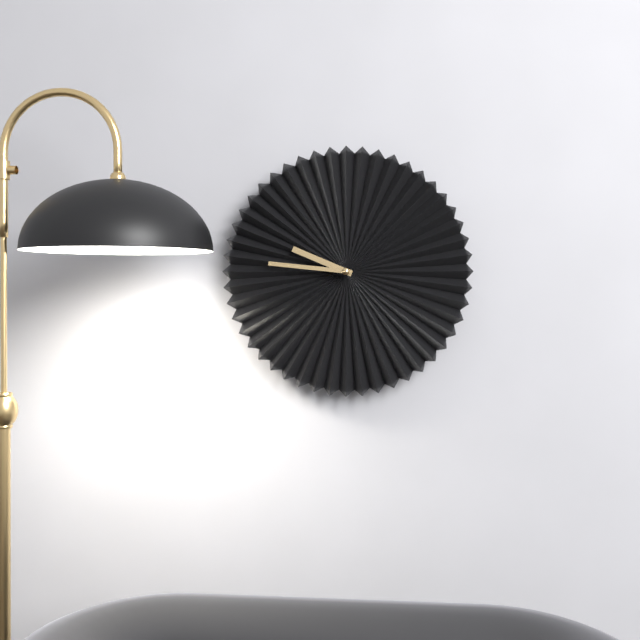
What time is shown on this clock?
9:46
